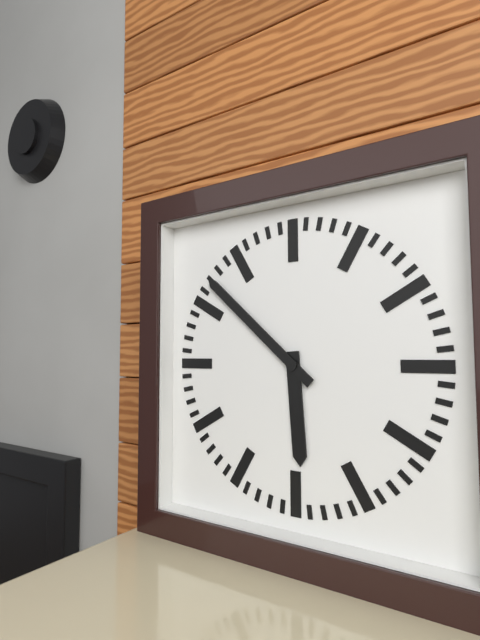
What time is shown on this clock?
5:52
